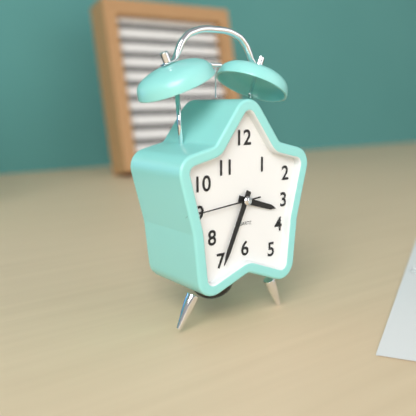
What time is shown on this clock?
3:34:44
